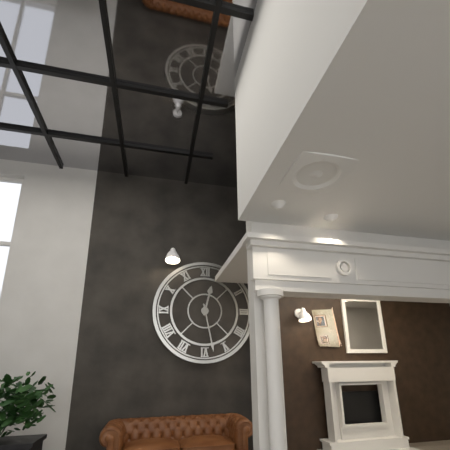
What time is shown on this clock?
12:28
